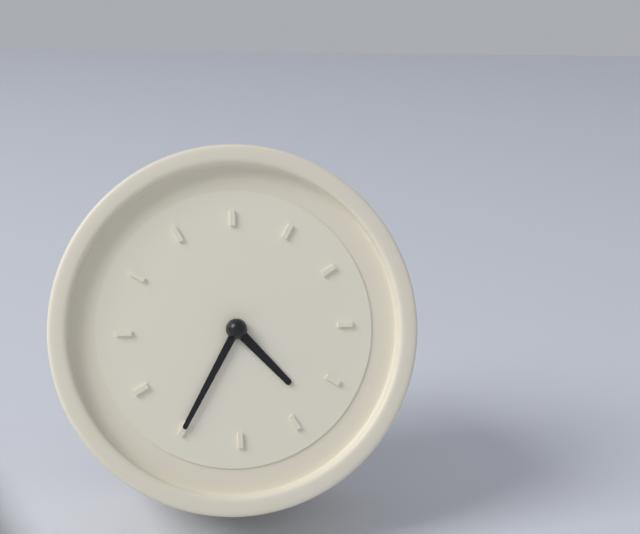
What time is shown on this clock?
4:35
